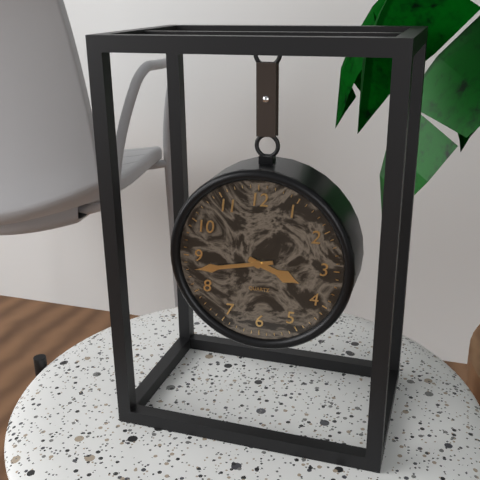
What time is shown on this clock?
3:43
